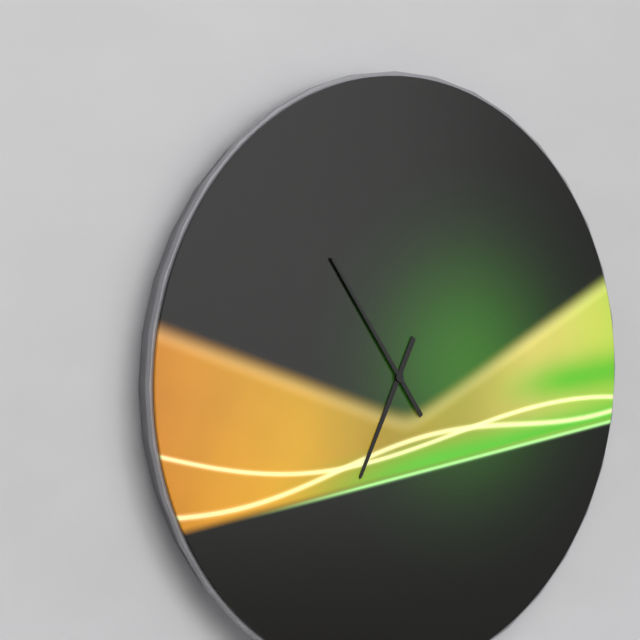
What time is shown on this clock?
6:54
